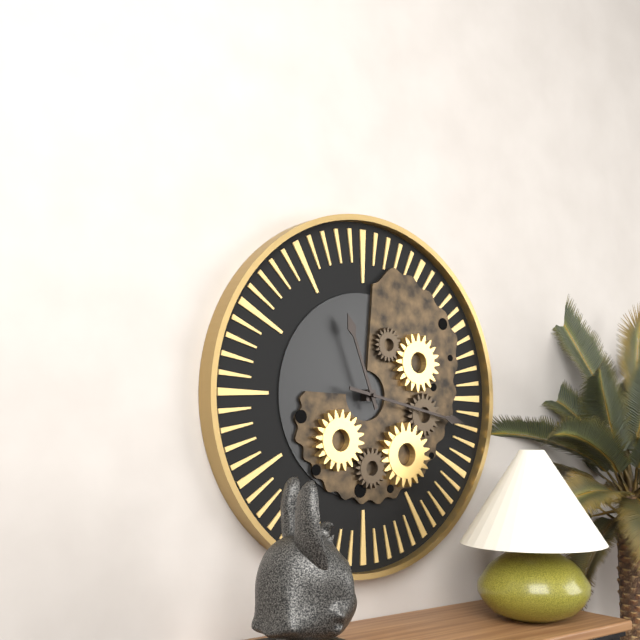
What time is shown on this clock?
11:17
